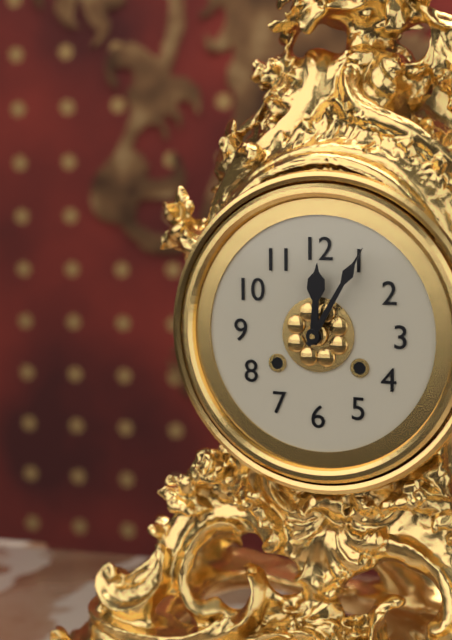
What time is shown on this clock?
12:05
